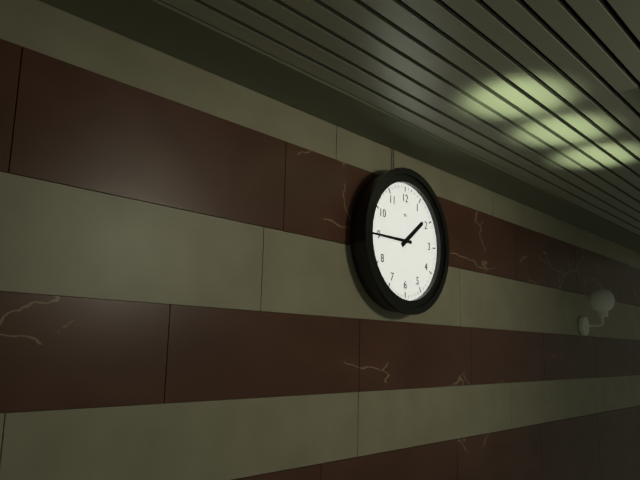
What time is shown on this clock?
1:45
